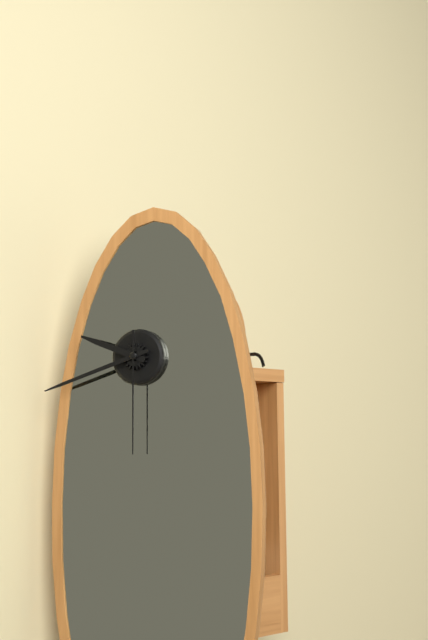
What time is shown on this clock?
9:42:30
